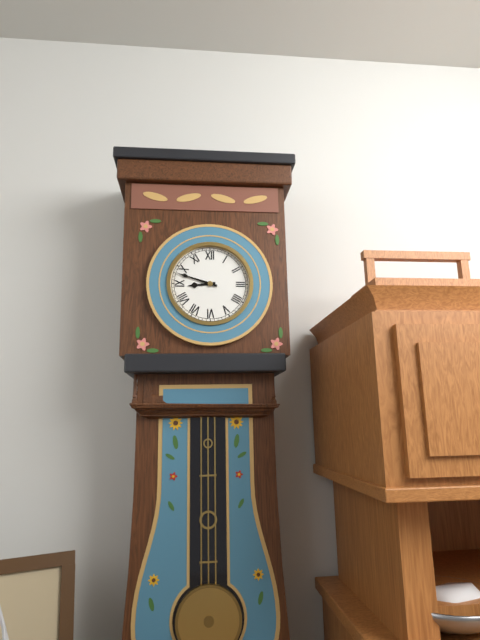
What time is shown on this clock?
8:48
